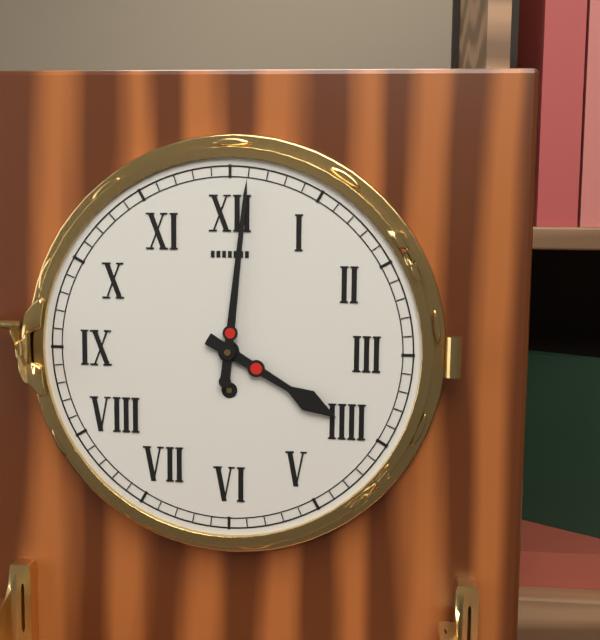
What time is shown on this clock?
4:01
